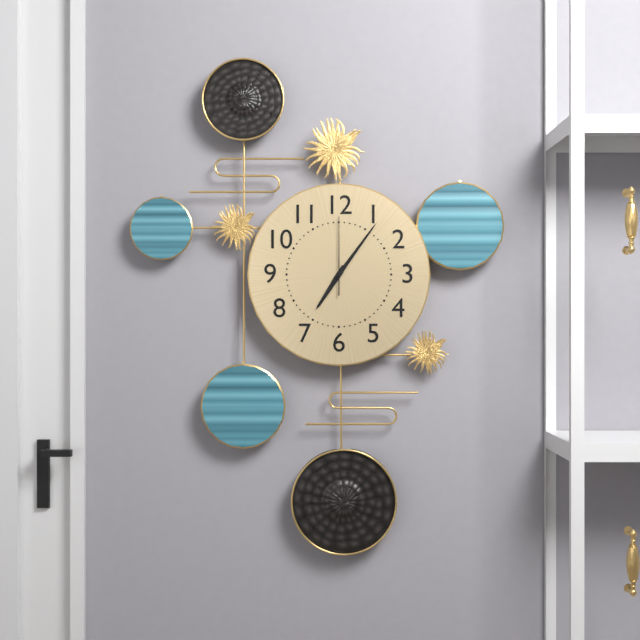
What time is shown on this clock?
7:06:00
